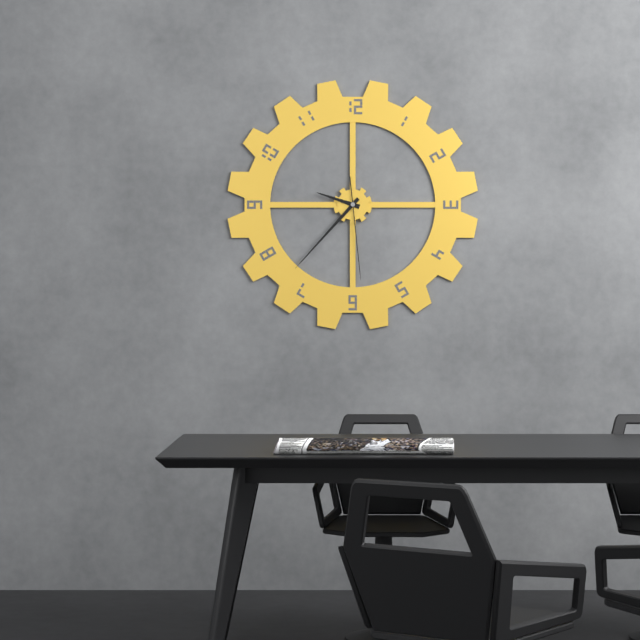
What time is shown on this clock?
9:37:29
